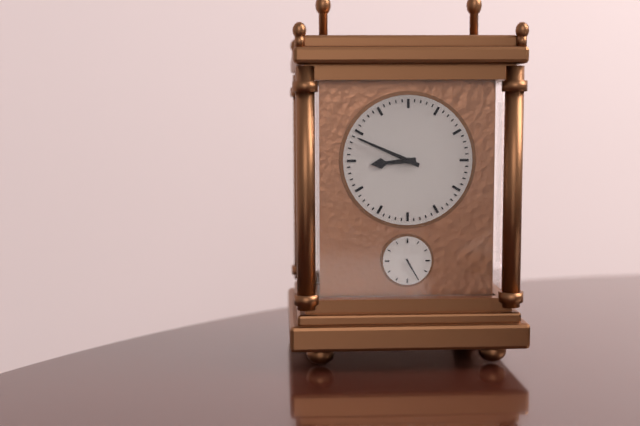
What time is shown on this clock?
8:49
